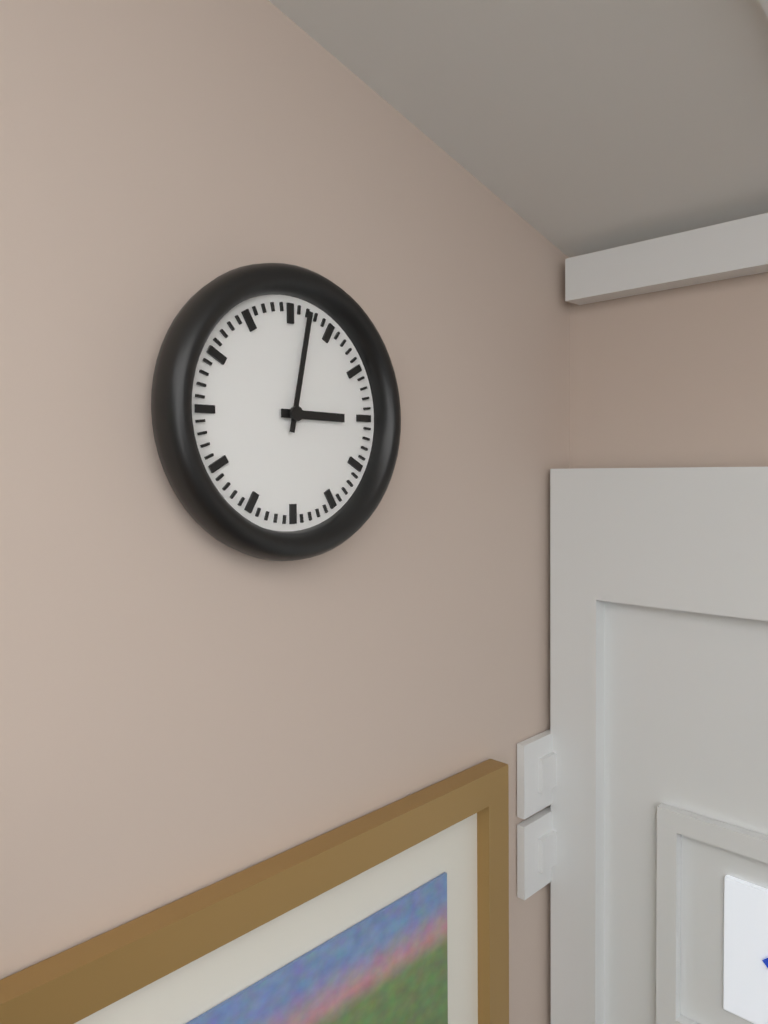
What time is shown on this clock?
3:02
